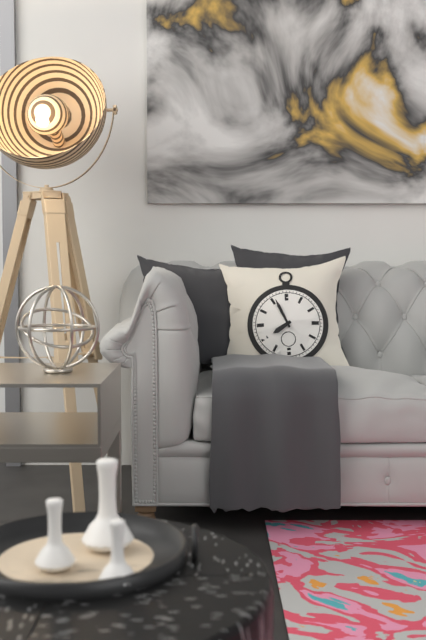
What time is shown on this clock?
7:56
